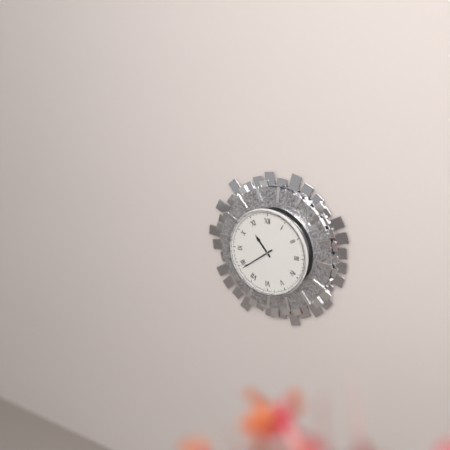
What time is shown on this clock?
10:39
